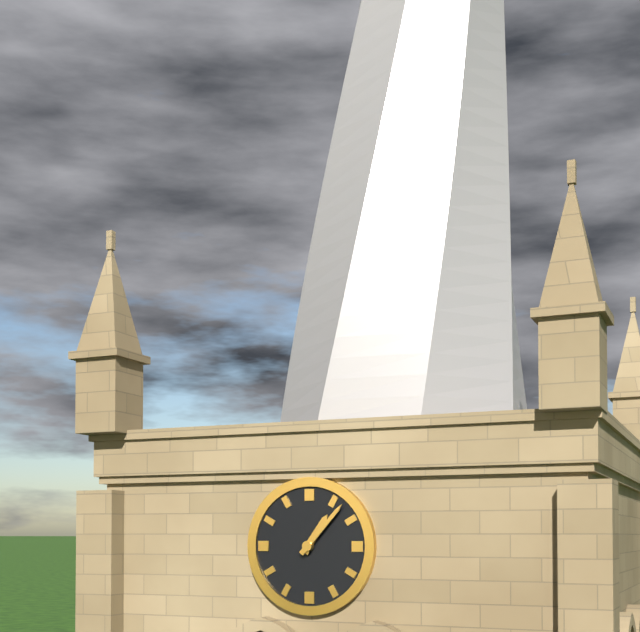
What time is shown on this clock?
1:07
